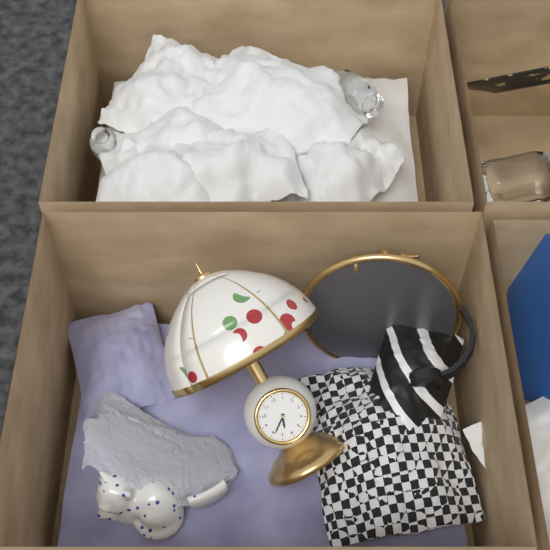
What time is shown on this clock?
6:39
